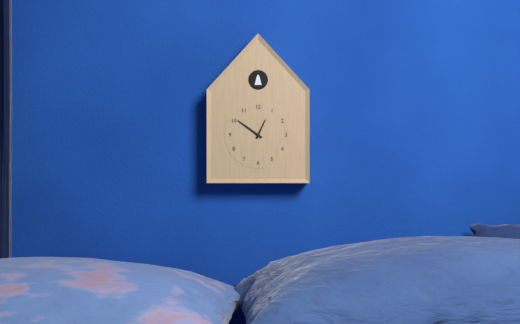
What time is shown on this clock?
12:51
